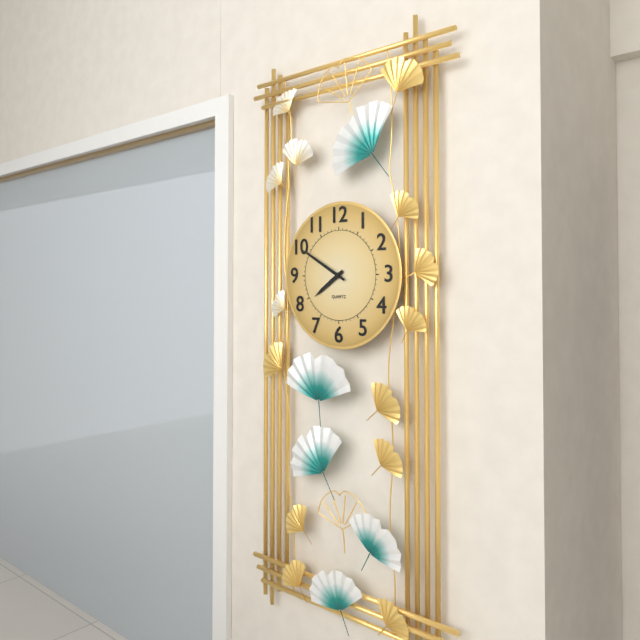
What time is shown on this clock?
7:50
